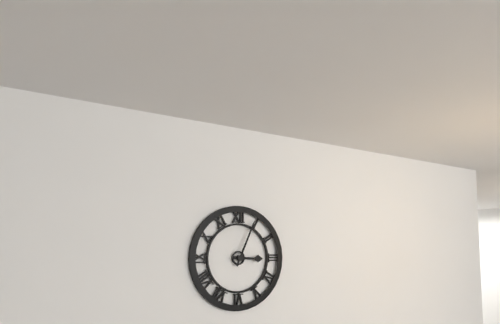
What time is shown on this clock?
3:04
